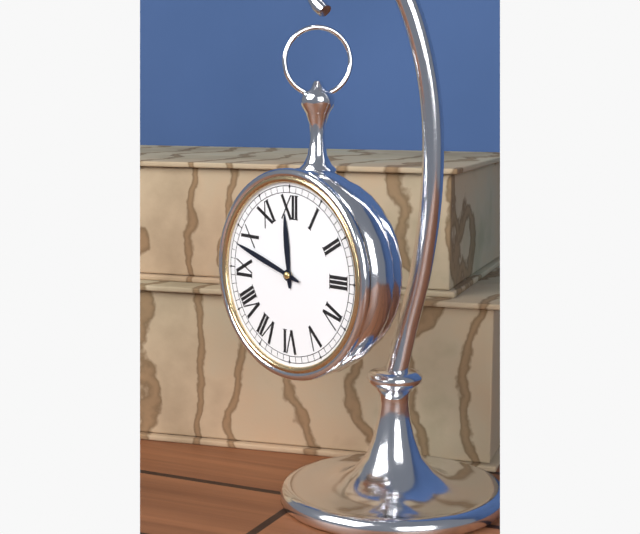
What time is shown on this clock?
11:48
